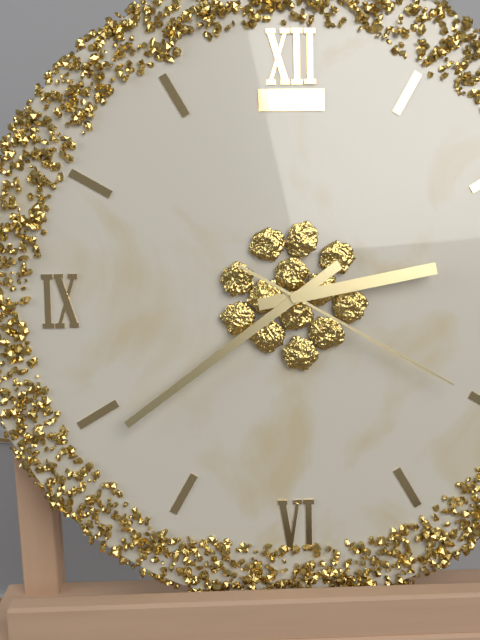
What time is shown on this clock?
2:39:20
